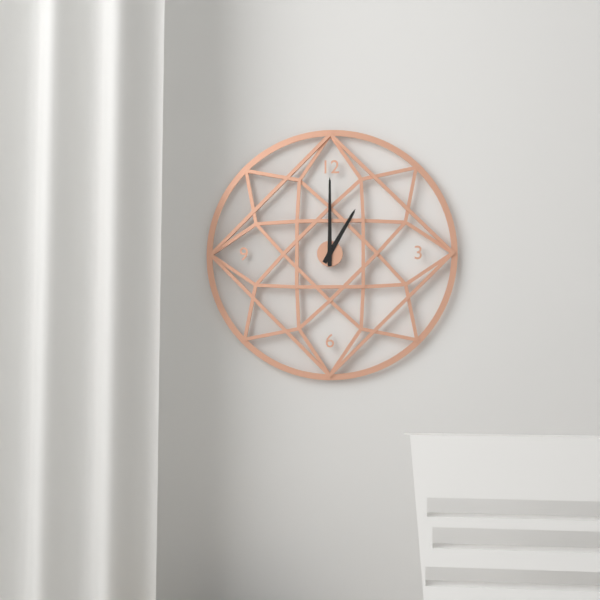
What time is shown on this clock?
1:00
